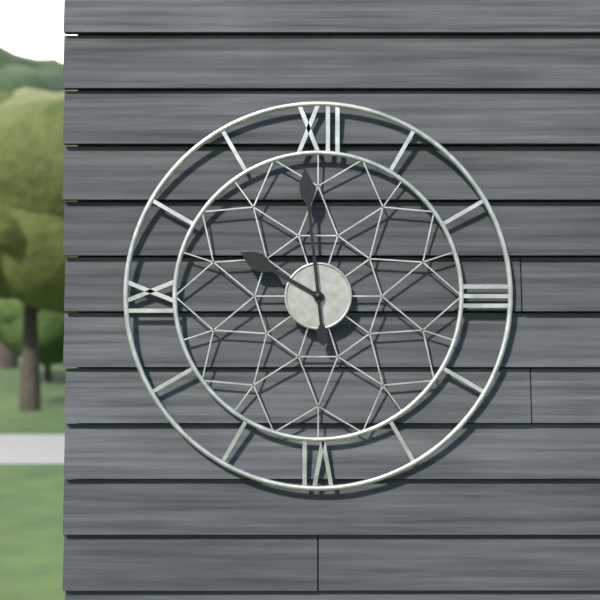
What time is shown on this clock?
9:59
